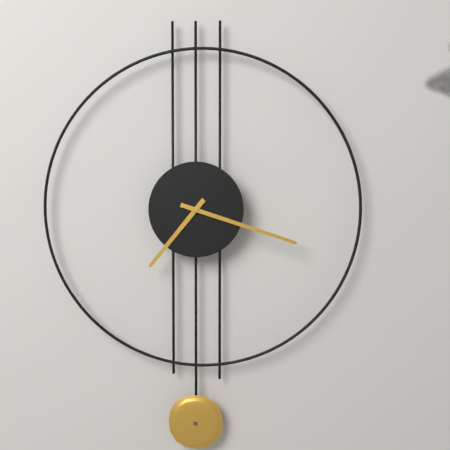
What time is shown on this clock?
7:18
